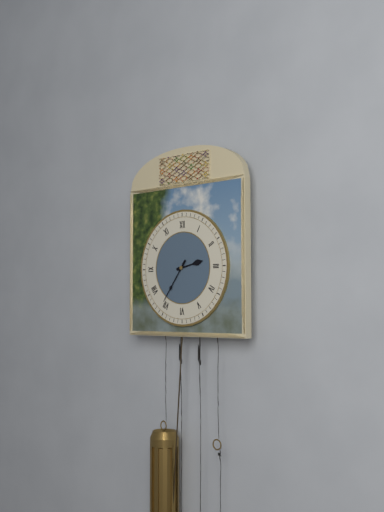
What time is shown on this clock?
2:36
